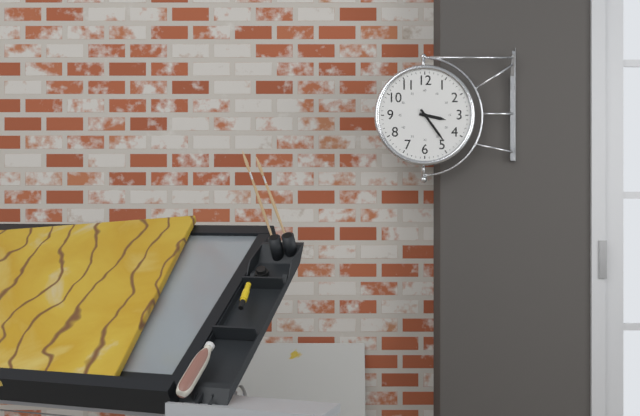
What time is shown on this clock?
3:24
